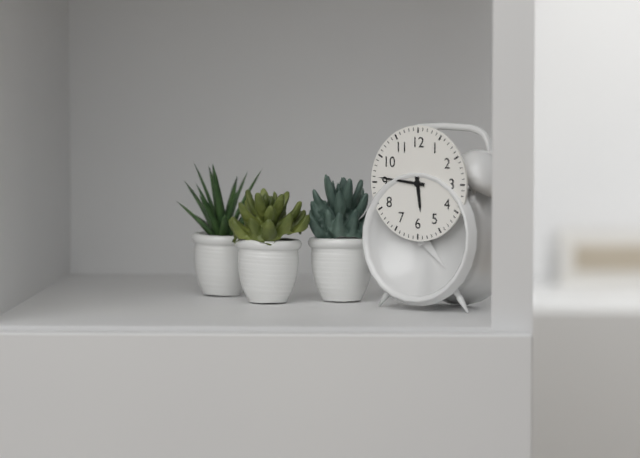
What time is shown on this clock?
5:46
